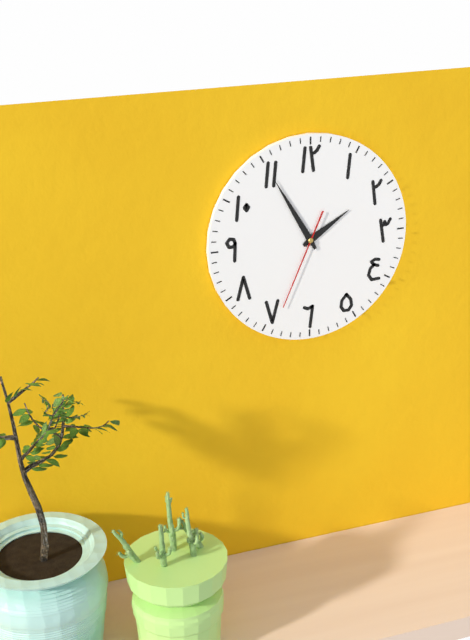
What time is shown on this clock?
1:55:34
